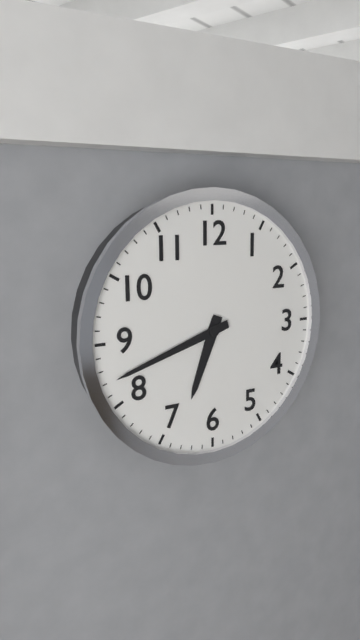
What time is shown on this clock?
6:42
